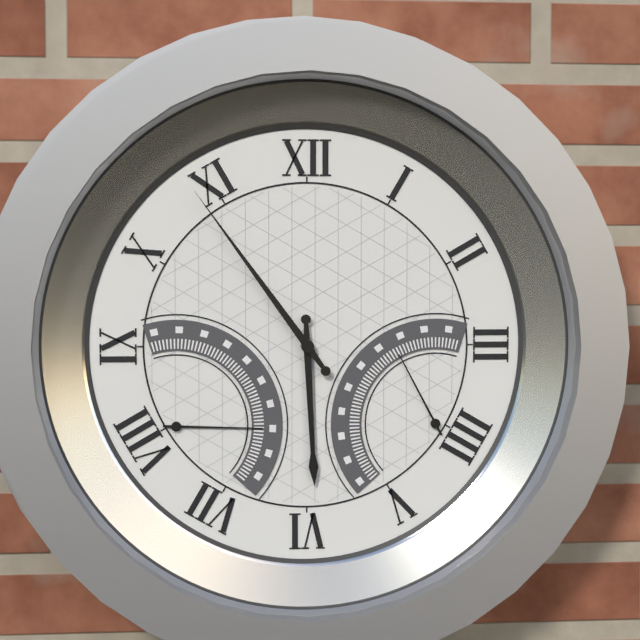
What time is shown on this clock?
5:54
